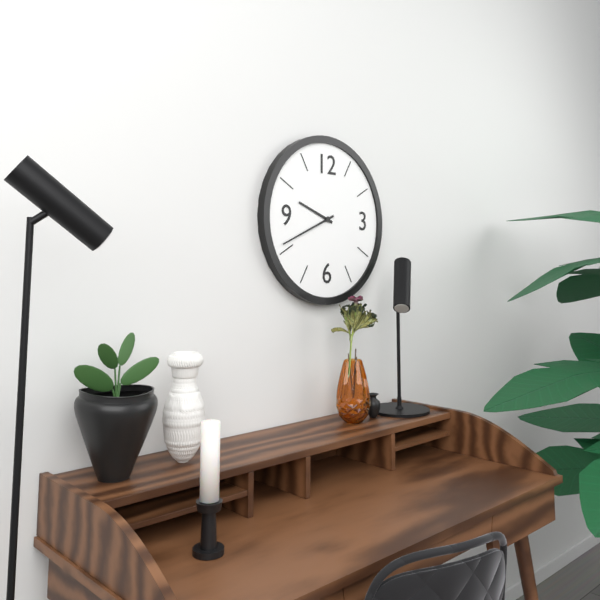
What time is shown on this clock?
9:41
